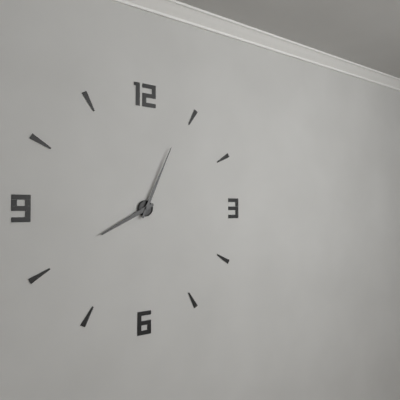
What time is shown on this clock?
8:04
